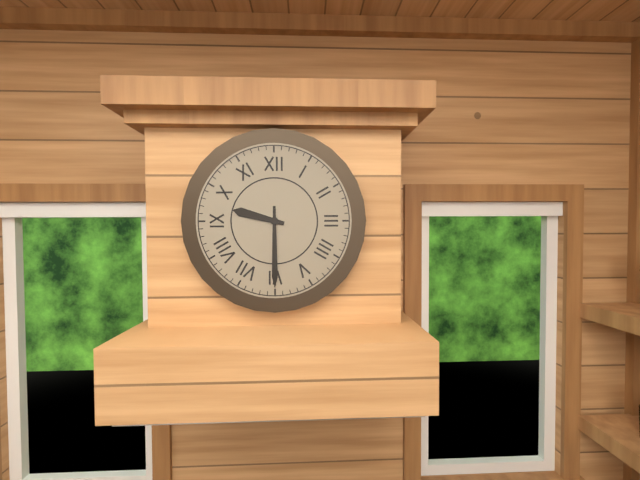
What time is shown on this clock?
9:30
